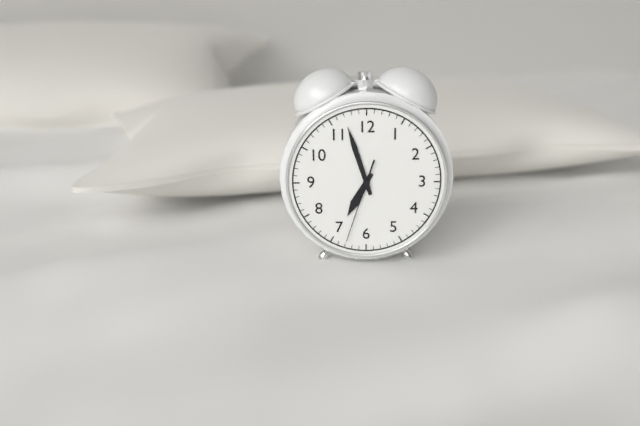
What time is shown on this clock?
6:57:33
